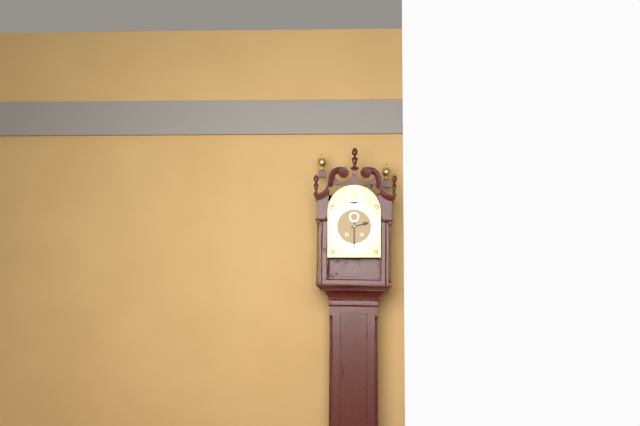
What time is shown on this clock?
2:30
